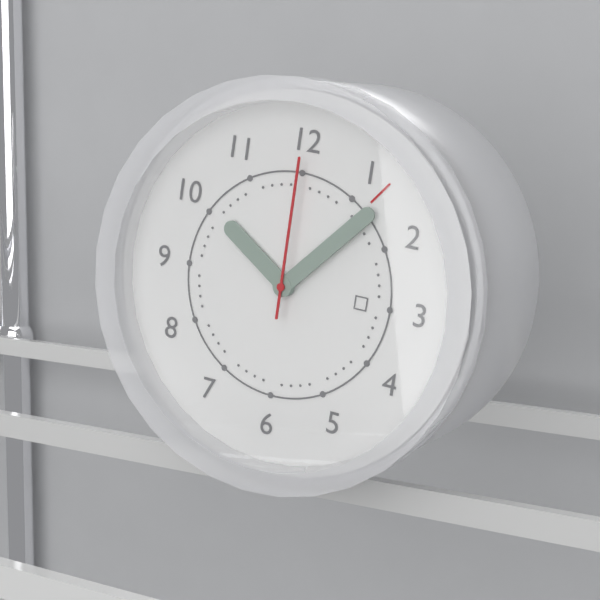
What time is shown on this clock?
10:07:00
